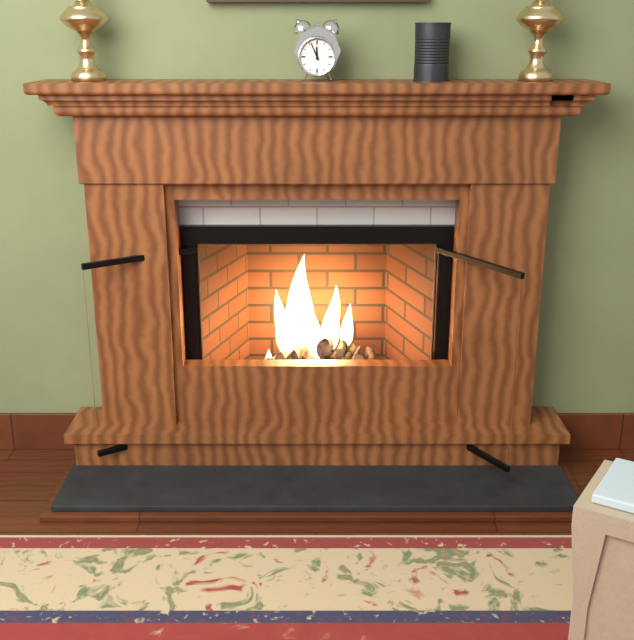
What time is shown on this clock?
11:56
